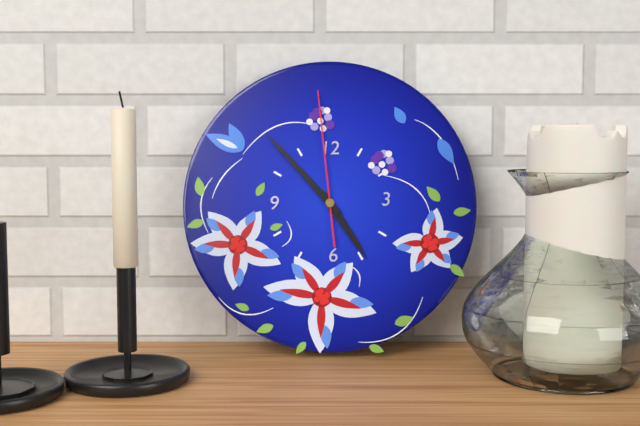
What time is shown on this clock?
4:53:59
